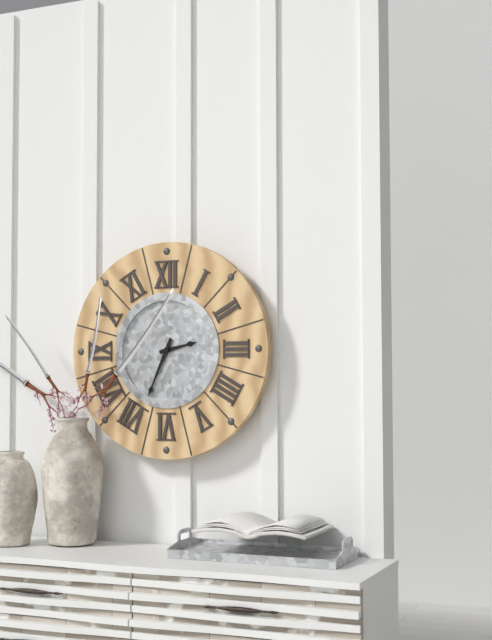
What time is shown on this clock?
2:34
